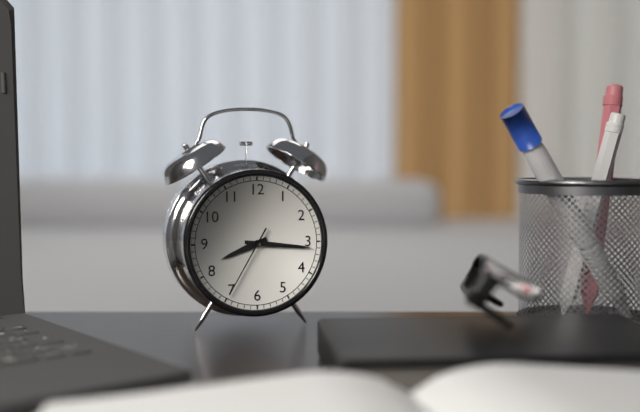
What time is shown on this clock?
8:16:35
